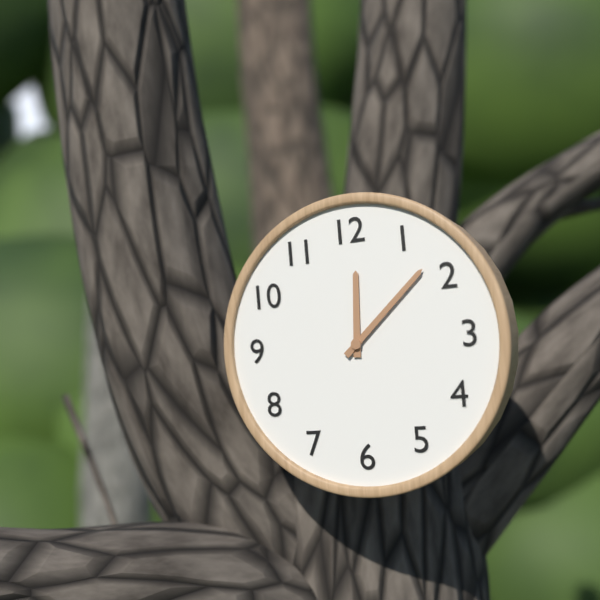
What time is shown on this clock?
12:08
